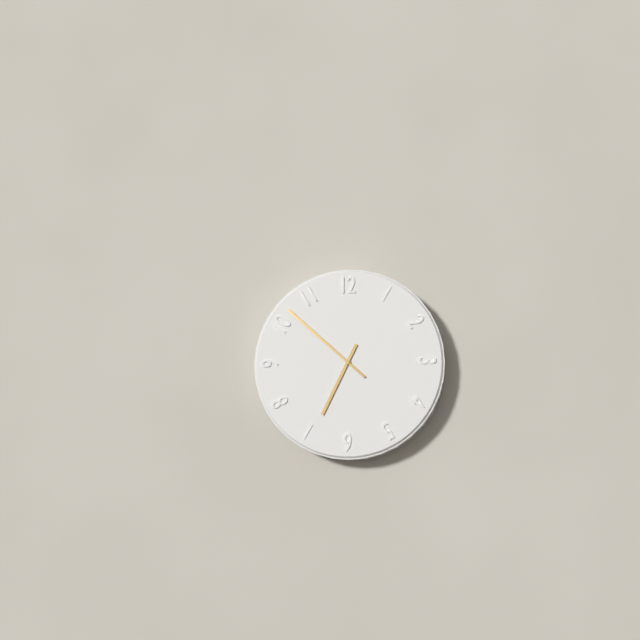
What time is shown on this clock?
6:52
